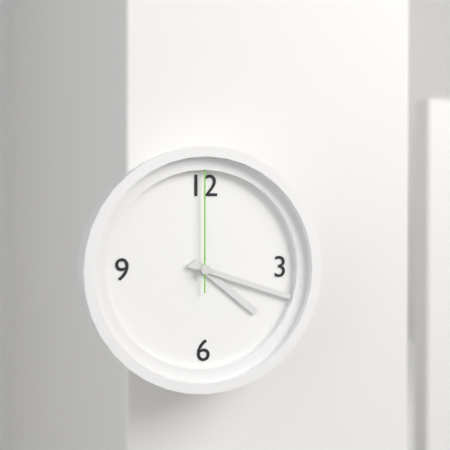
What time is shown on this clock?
4:18:00
